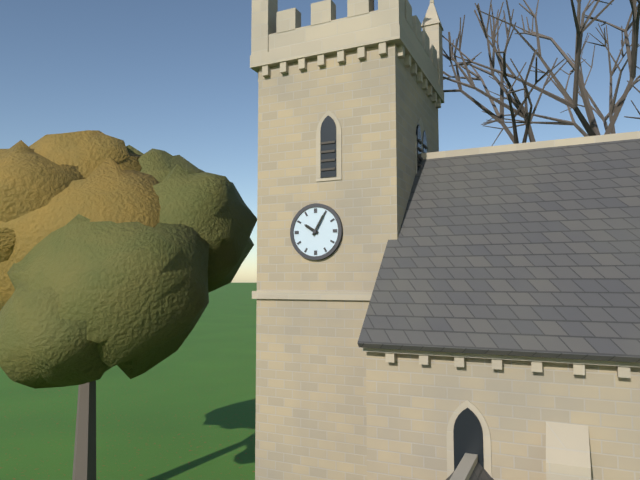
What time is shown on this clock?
10:05
